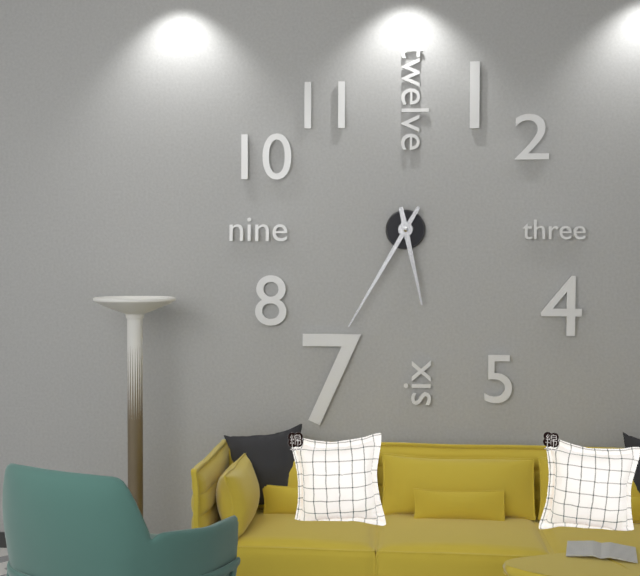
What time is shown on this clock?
5:35
